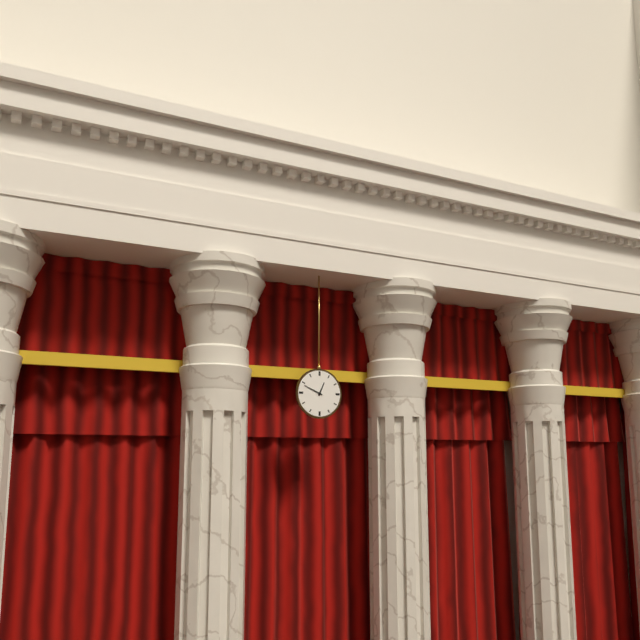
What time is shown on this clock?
12:49
